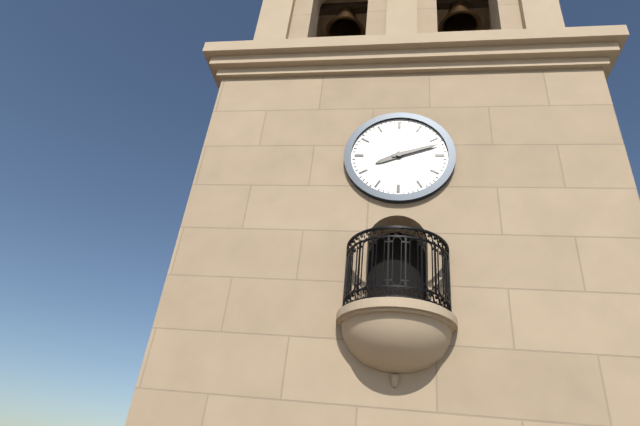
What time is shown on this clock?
8:12
